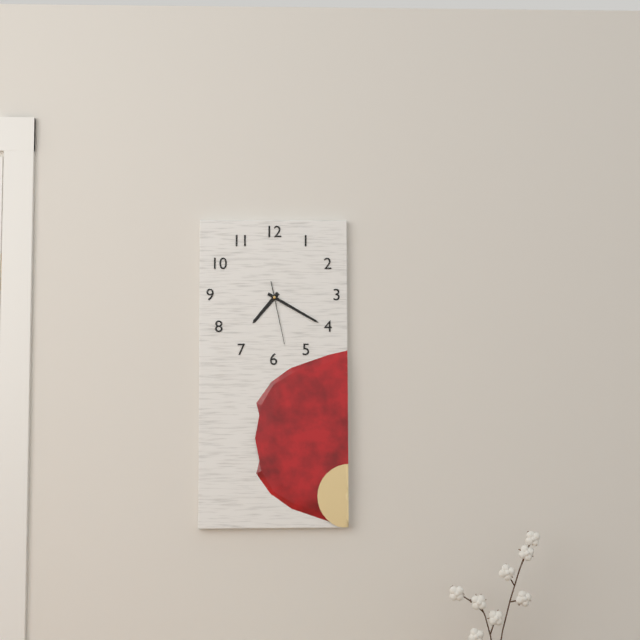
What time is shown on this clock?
7:20:28
